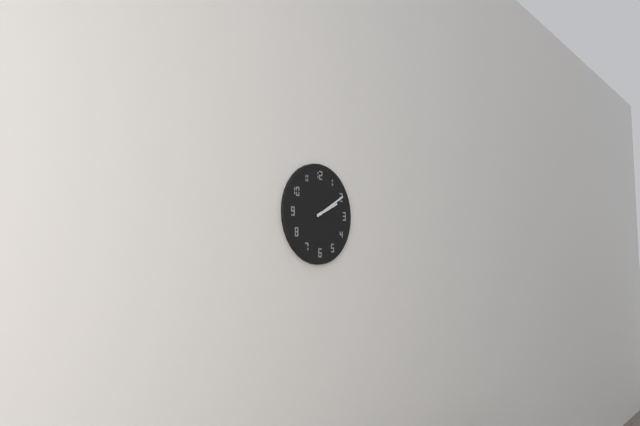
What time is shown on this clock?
2:10
